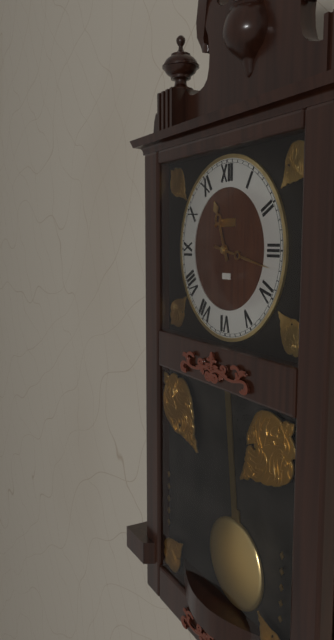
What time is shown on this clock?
11:17
